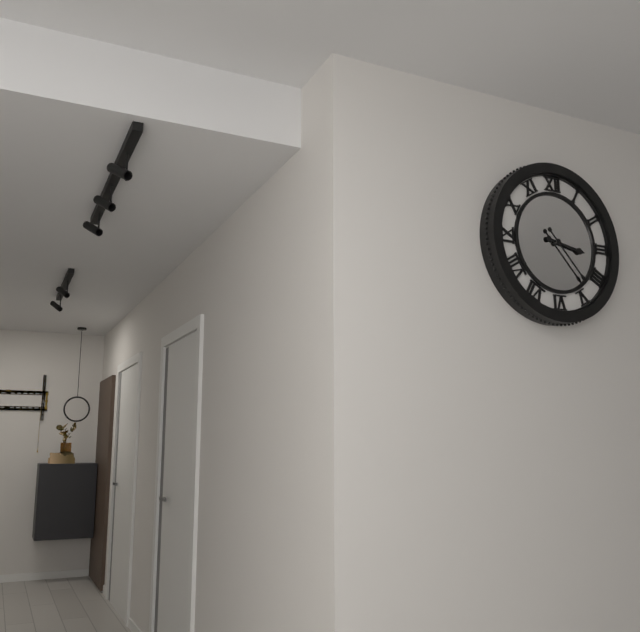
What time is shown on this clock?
3:23
